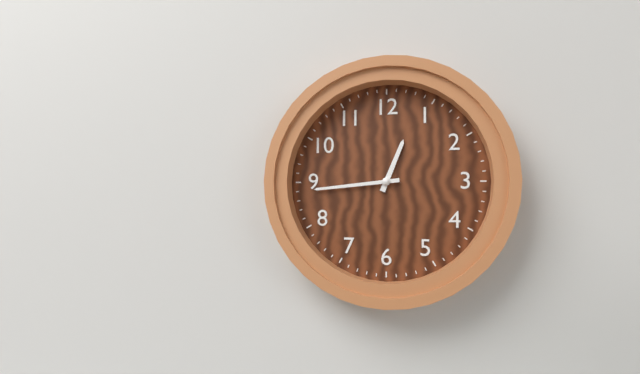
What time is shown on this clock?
12:44
